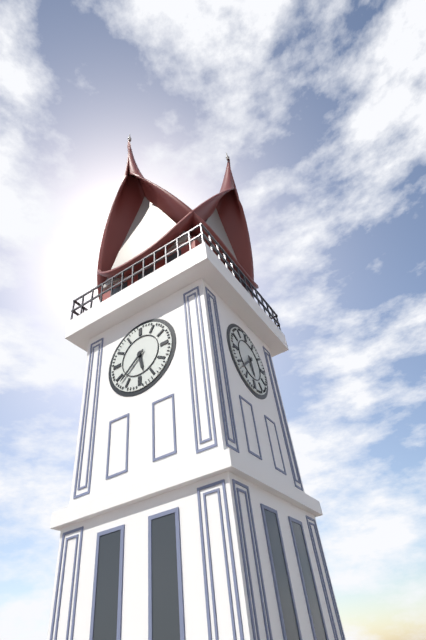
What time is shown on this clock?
5:38
